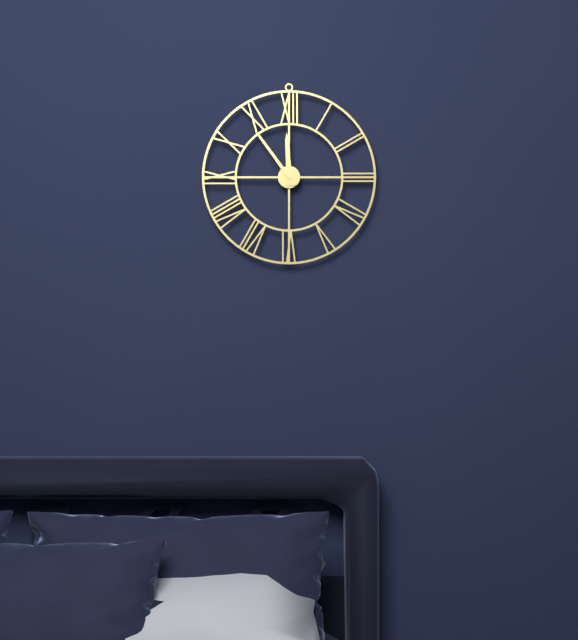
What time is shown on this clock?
11:54
